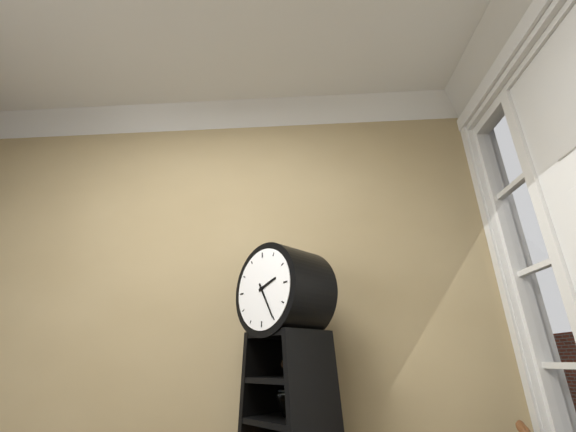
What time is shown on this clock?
2:25
